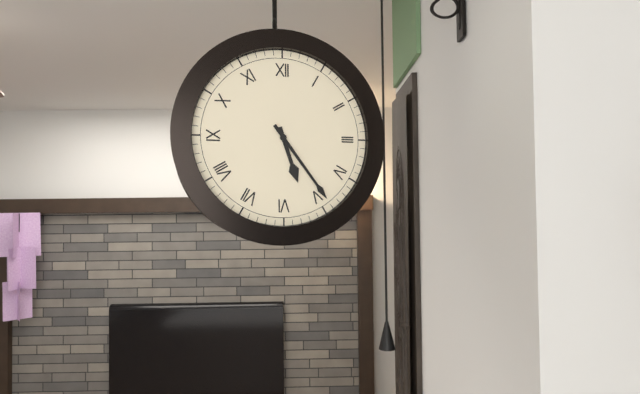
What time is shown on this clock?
5:24
